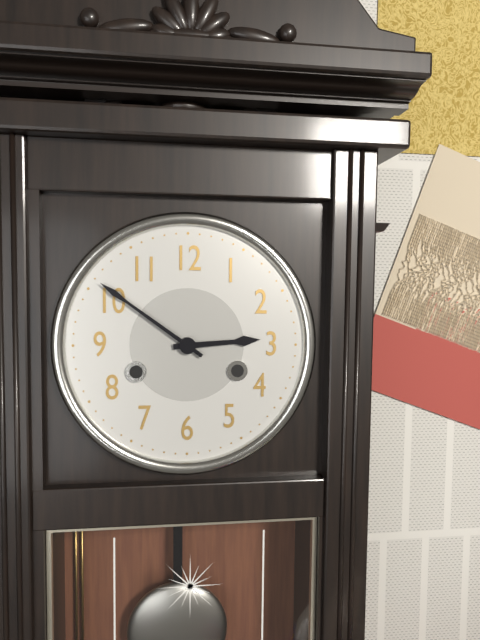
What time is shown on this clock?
2:51
